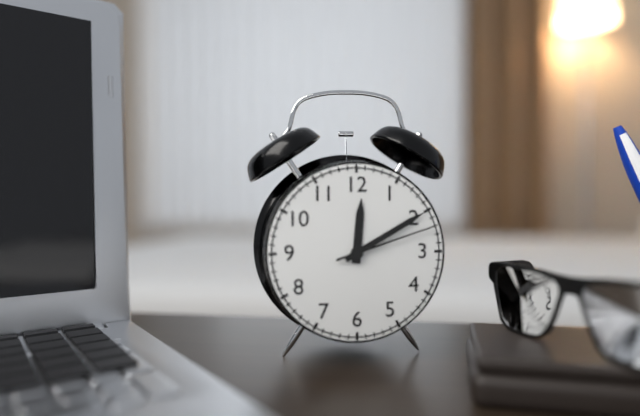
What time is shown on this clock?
12:10:12
